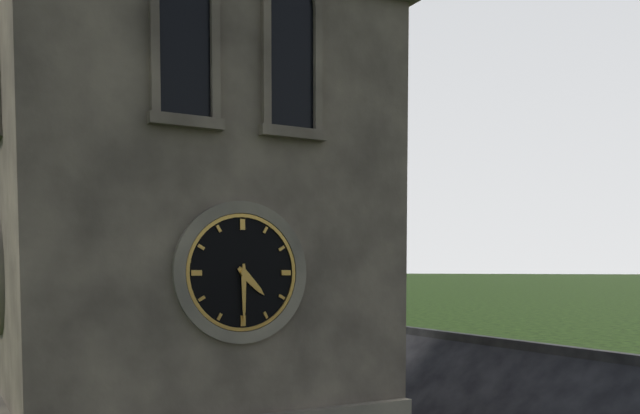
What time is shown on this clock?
4:30
